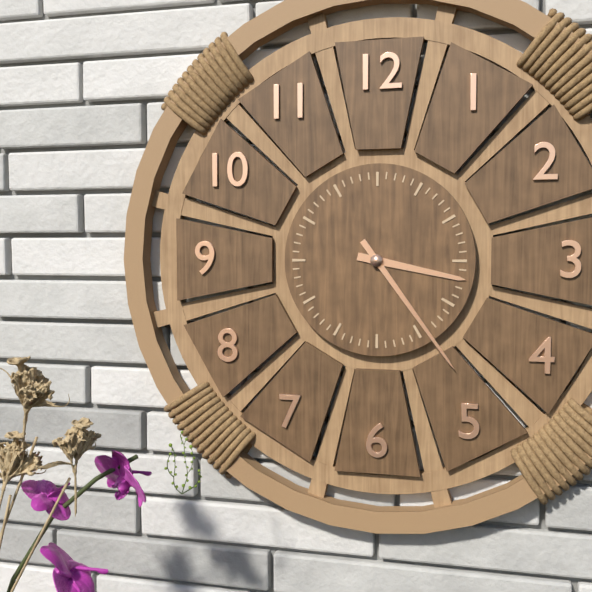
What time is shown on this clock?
3:24
